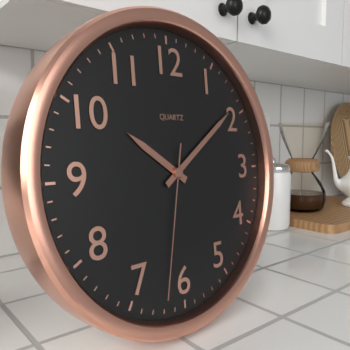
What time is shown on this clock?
10:09:32
